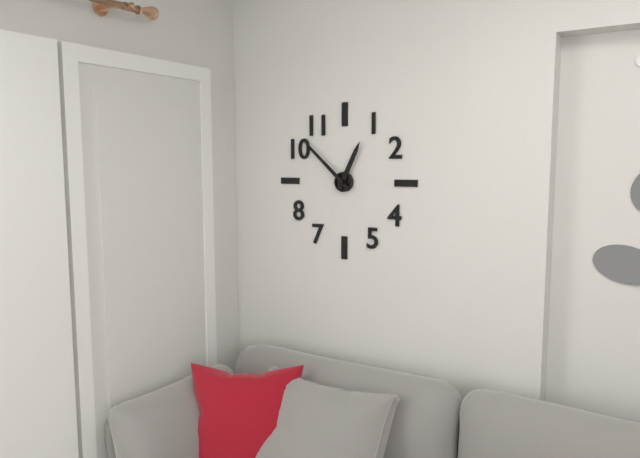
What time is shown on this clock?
12:52
